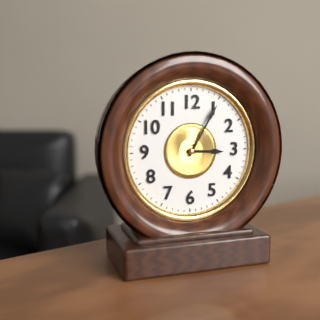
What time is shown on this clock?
3:05
